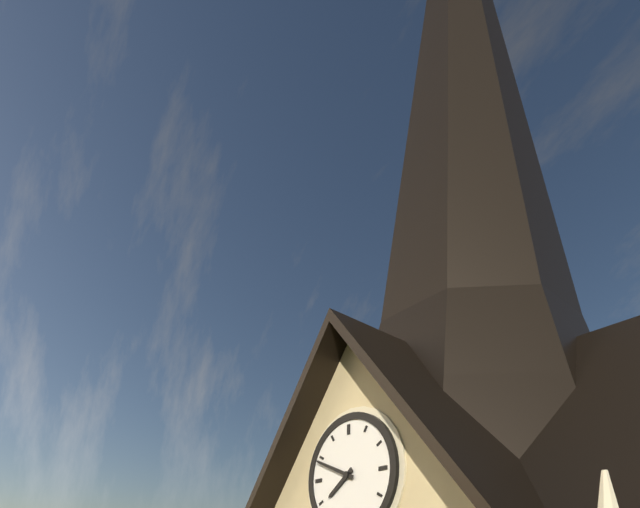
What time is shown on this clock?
7:49
